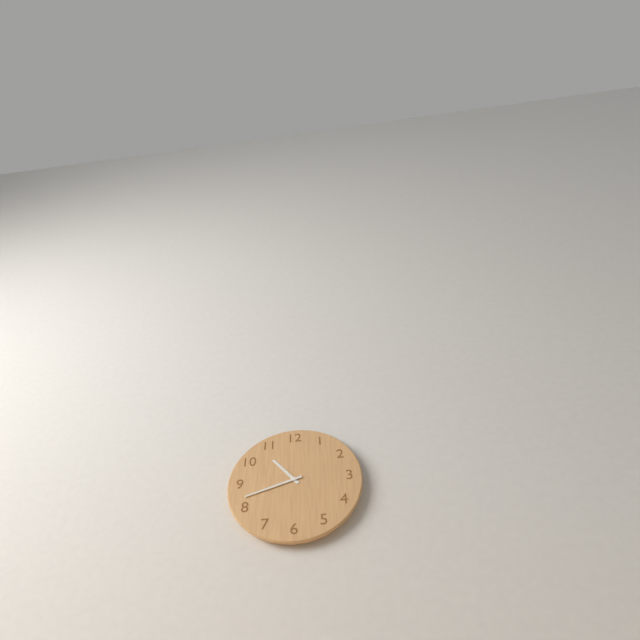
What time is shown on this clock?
10:42
